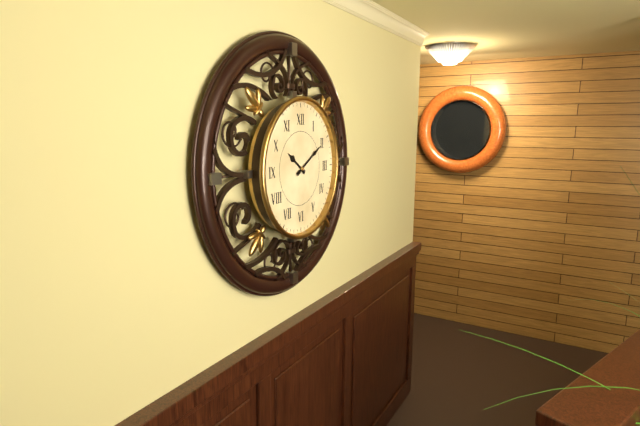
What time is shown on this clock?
10:10
